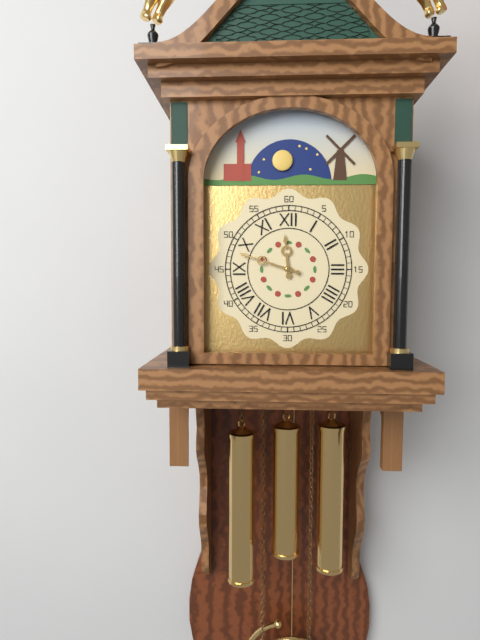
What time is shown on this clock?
11:48
